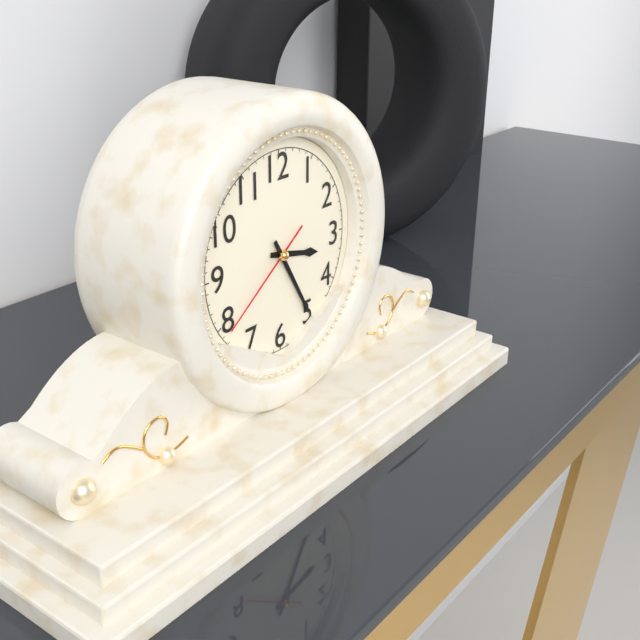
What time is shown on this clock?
3:25:39
